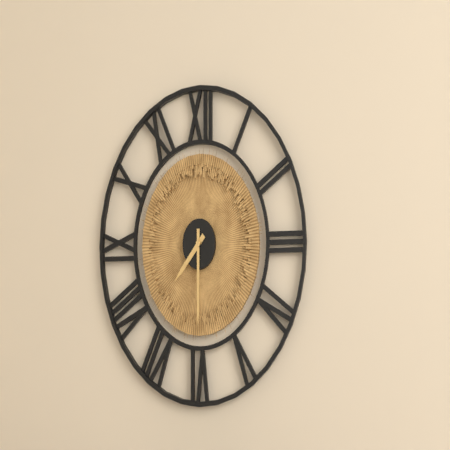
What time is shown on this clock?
7:30
